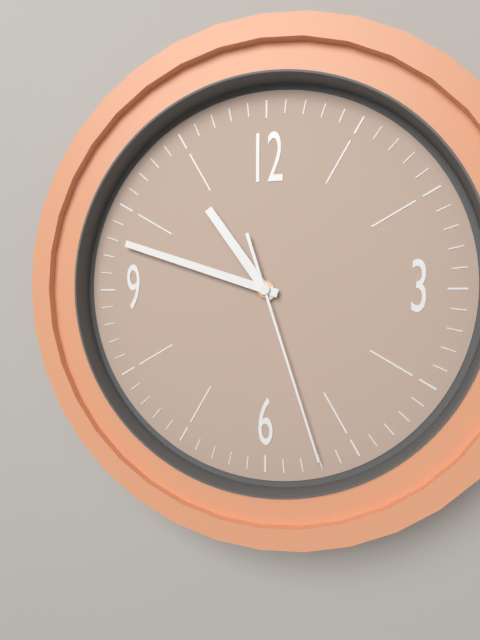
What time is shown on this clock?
10:48:27
